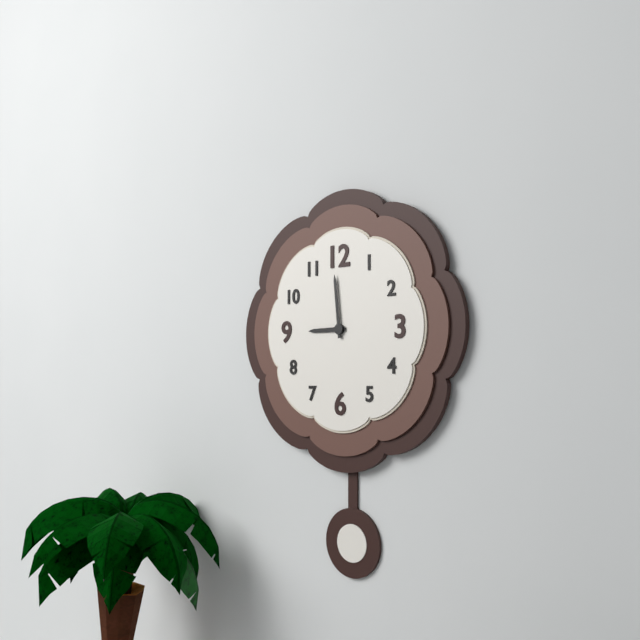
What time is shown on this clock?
8:59
